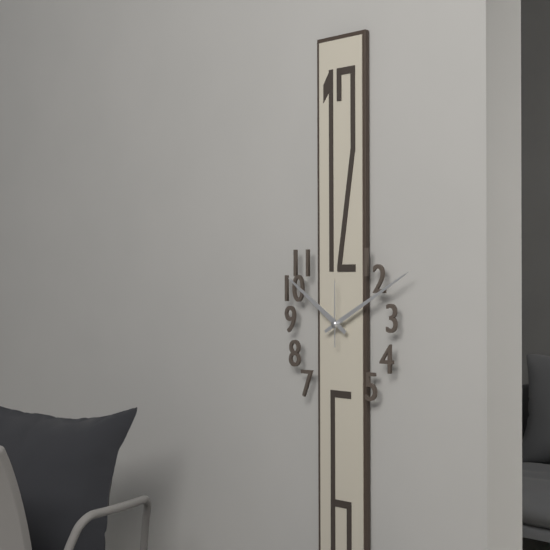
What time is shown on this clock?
10:10:00
